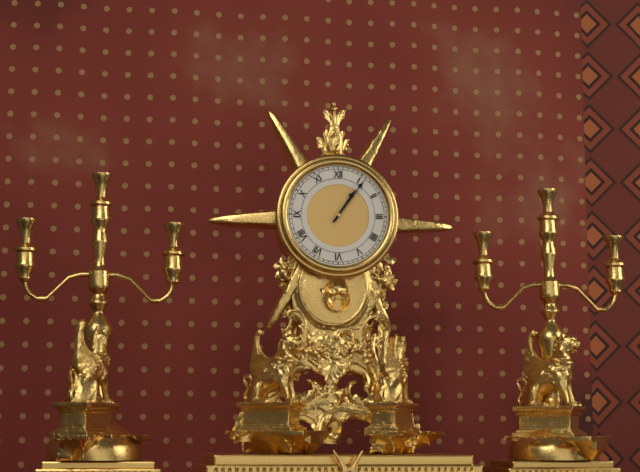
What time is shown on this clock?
1:06
